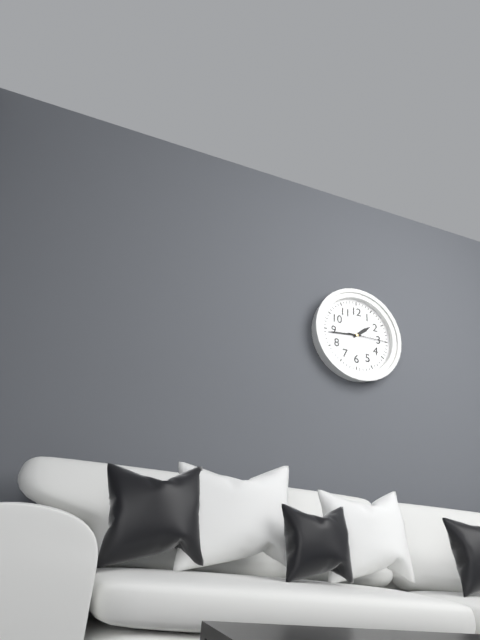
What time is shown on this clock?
1:44
